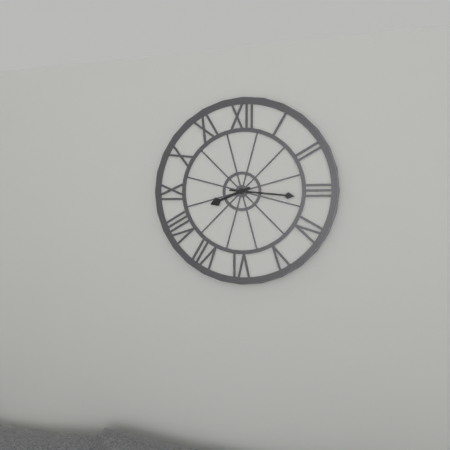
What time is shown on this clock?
8:16
